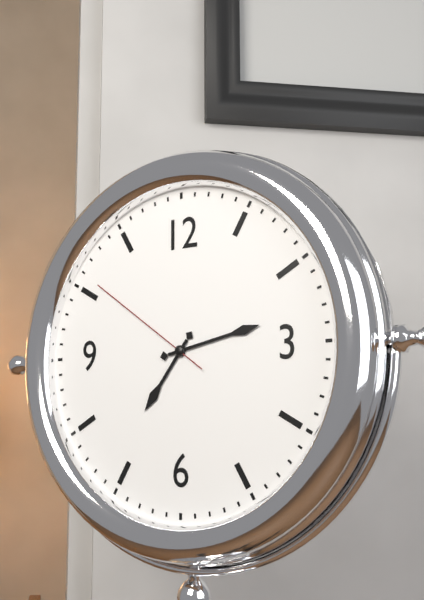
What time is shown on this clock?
7:13:51
